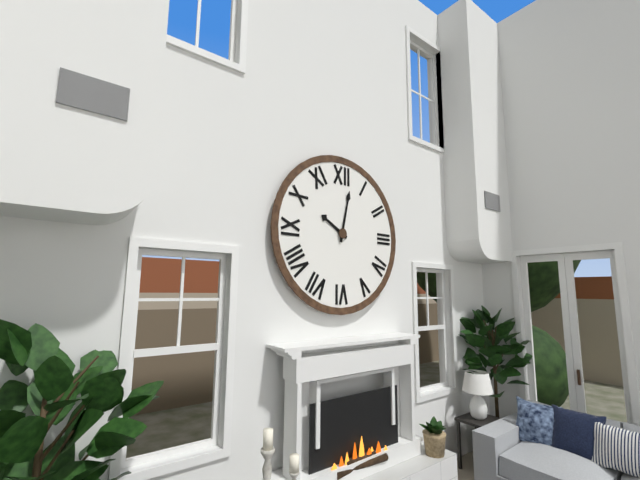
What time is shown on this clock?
10:02
